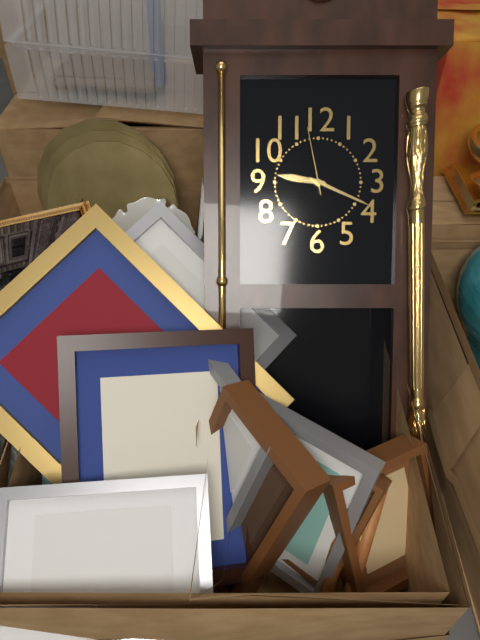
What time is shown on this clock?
9:19:58
